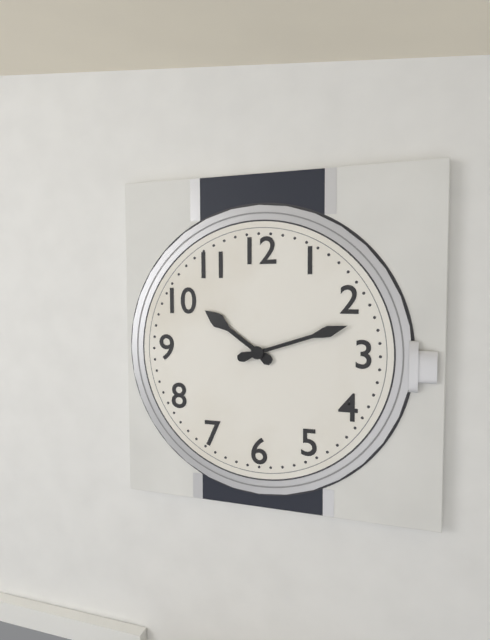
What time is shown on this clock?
10:12
